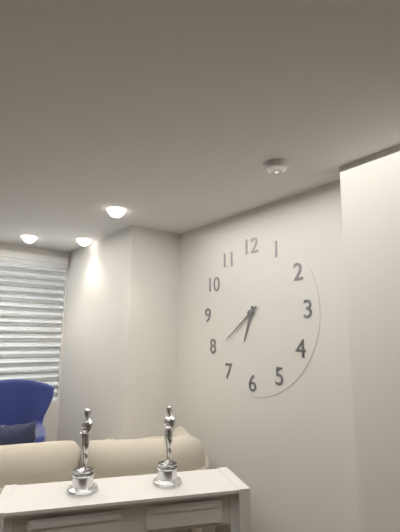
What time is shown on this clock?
6:39
